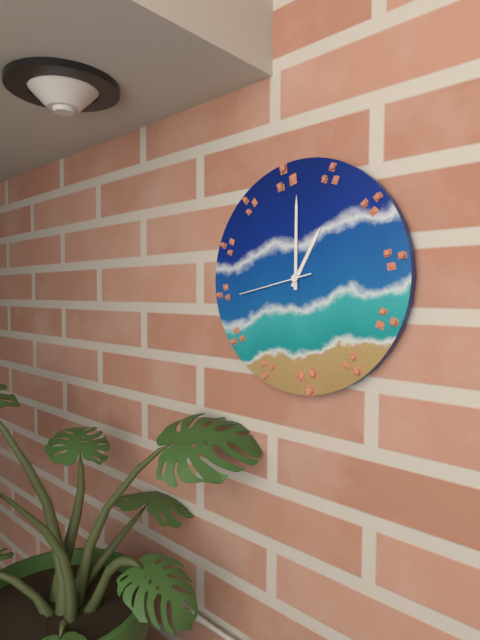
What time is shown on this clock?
1:00:43
